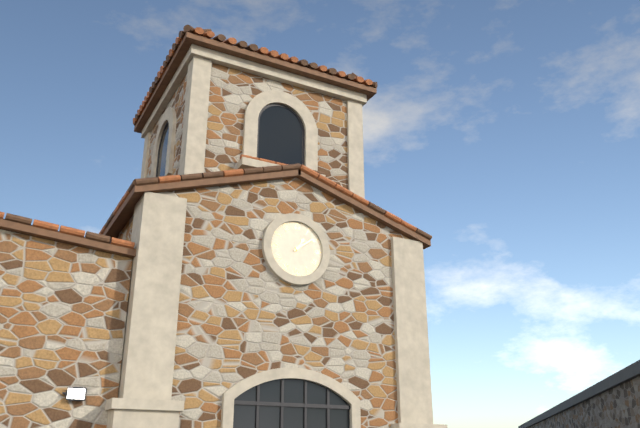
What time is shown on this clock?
1:09
